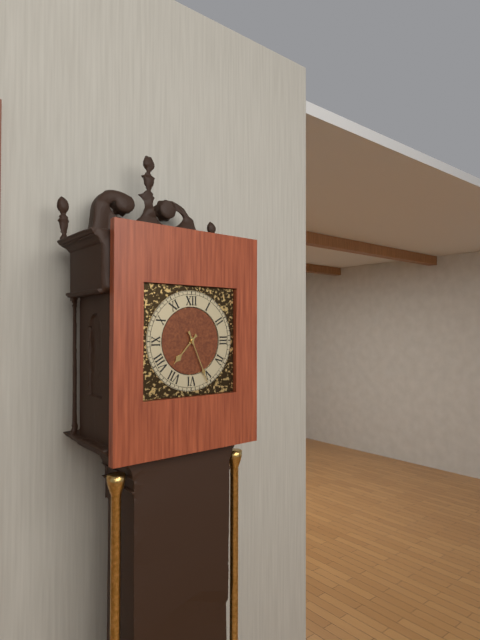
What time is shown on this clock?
7:26
